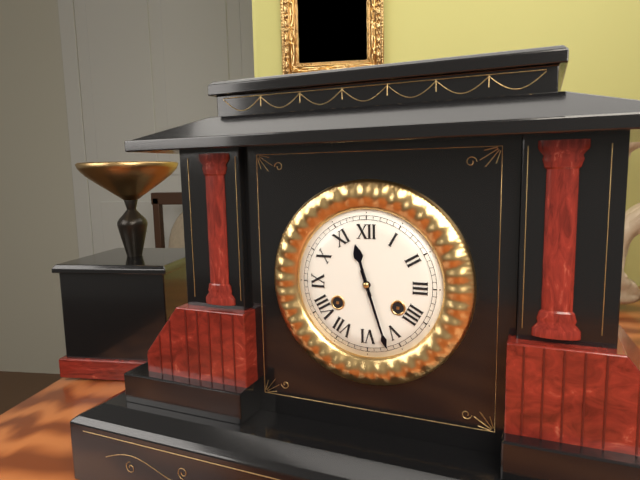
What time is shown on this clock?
11:27
